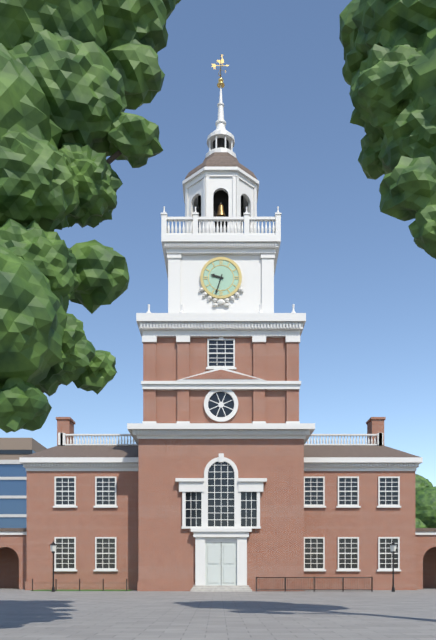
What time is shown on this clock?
9:33
